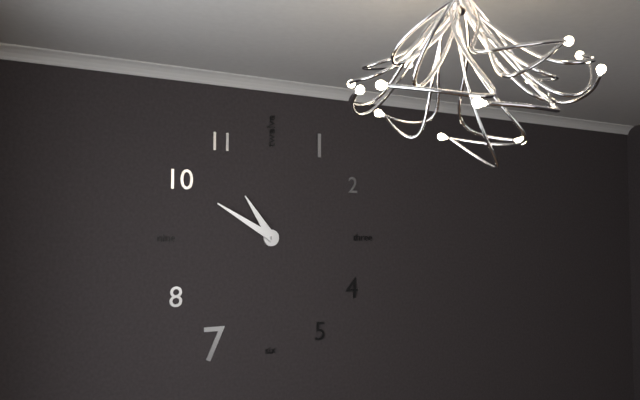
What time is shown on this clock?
10:50
